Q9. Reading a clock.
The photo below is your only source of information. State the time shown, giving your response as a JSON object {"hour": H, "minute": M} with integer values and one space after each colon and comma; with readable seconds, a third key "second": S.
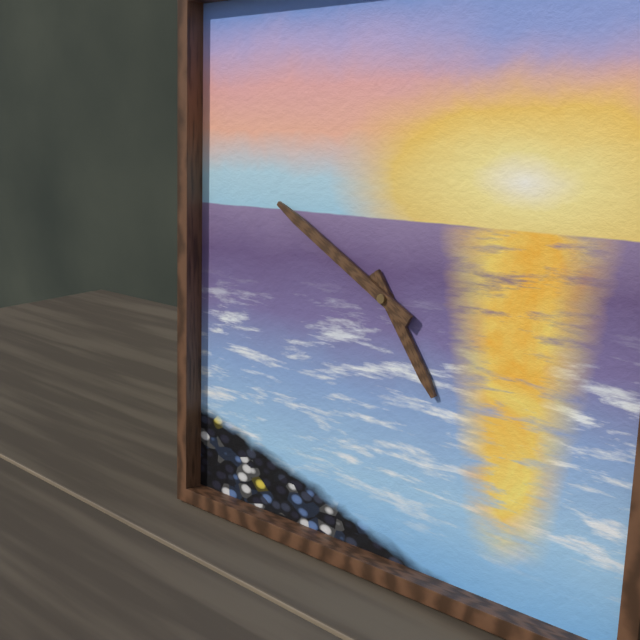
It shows {"hour": 4, "minute": 50}
